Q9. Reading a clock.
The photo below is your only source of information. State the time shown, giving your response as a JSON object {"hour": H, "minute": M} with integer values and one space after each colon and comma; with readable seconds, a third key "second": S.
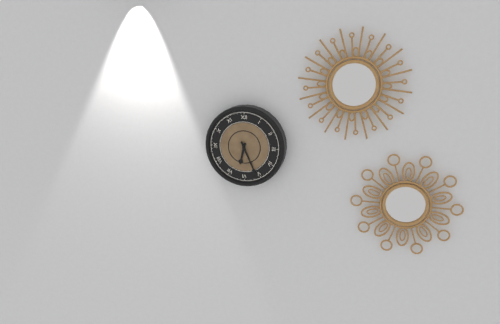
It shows {"hour": 6, "minute": 26}
